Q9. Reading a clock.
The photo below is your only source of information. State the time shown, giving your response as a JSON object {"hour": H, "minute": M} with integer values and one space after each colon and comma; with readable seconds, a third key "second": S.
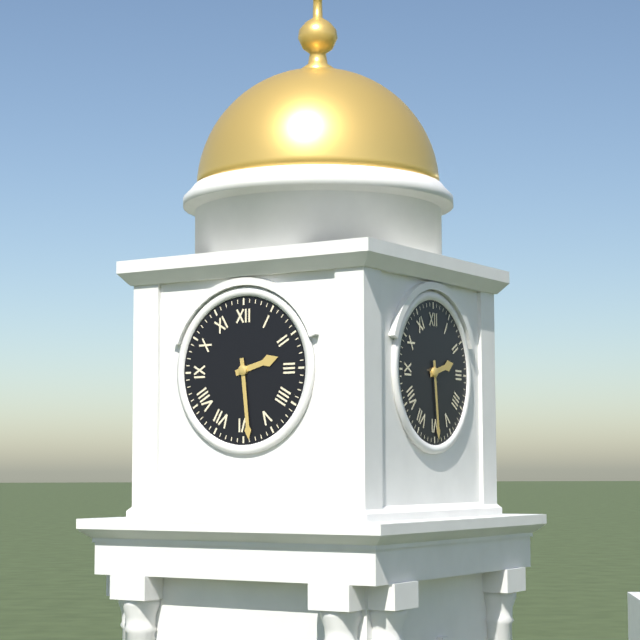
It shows {"hour": 2, "minute": 29}
